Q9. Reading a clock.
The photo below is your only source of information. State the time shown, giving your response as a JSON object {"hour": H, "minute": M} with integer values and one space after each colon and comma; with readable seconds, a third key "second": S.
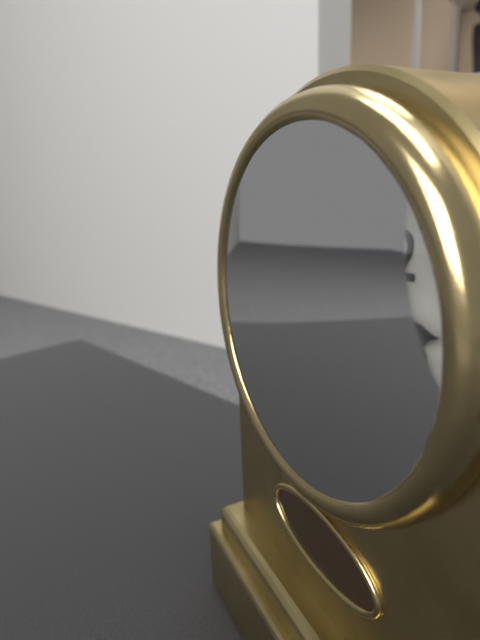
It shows {"hour": 1, "minute": 14}
